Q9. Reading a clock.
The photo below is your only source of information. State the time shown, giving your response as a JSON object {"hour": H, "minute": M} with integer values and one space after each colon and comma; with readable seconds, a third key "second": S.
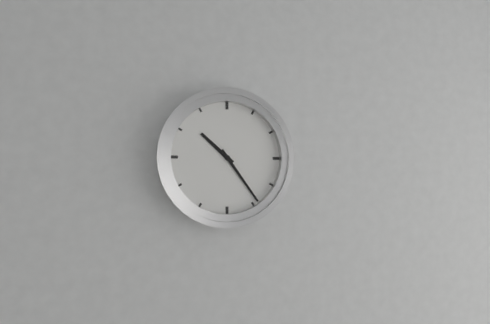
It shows {"hour": 10, "minute": 24}
